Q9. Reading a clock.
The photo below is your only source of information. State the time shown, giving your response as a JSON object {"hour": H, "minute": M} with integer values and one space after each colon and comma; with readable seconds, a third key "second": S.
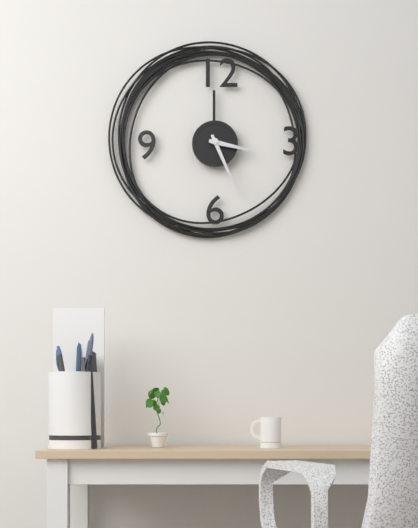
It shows {"hour": 3, "minute": 26}
